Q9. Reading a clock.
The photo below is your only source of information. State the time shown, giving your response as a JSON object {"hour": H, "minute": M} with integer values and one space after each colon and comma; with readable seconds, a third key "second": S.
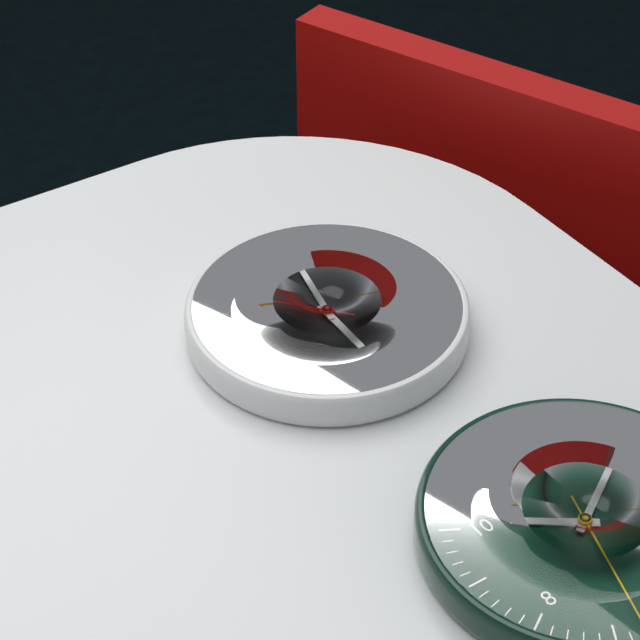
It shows {"hour": 6, "minute": 2, "second": 53}
